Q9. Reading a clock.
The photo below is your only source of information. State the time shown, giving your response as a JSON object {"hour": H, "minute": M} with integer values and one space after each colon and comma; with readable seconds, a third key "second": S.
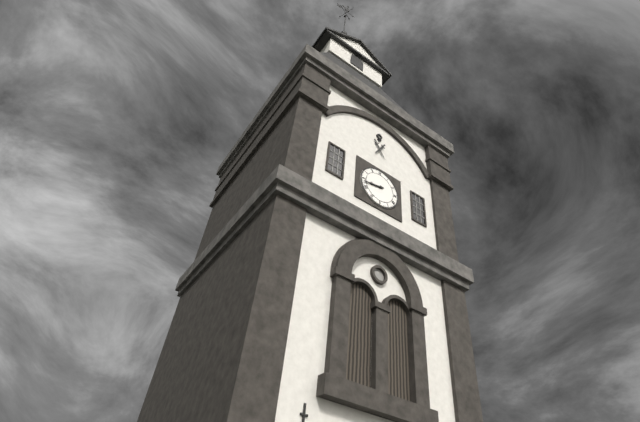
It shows {"hour": 8, "minute": 43}
